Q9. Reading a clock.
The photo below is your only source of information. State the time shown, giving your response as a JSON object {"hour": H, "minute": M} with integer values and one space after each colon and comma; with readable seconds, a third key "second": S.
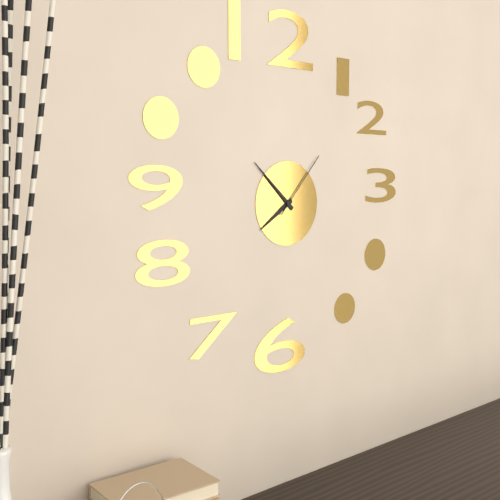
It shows {"hour": 7, "minute": 52, "second": 7}
